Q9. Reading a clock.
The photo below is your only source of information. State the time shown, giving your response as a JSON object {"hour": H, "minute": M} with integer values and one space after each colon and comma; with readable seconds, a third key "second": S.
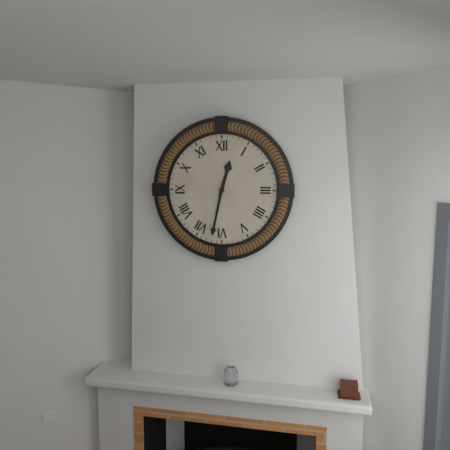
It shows {"hour": 12, "minute": 32}
